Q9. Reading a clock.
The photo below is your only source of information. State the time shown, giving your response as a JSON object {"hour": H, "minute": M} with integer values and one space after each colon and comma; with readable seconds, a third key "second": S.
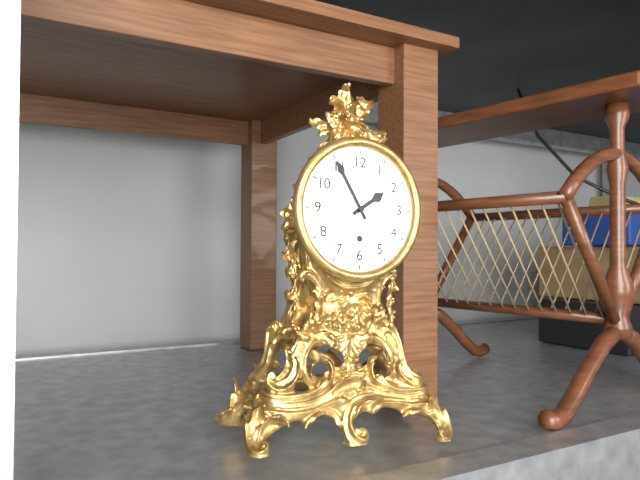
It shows {"hour": 1, "minute": 55}
